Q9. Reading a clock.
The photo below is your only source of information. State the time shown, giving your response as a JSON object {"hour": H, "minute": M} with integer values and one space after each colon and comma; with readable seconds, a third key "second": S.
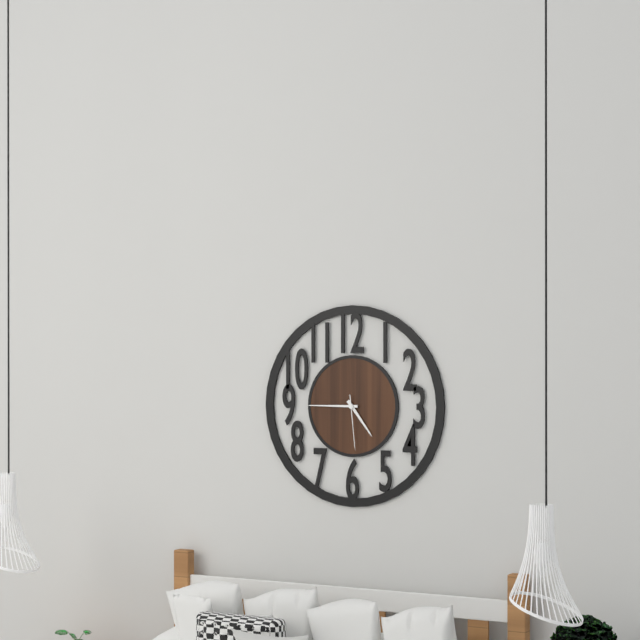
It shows {"hour": 4, "minute": 45, "second": 29}
